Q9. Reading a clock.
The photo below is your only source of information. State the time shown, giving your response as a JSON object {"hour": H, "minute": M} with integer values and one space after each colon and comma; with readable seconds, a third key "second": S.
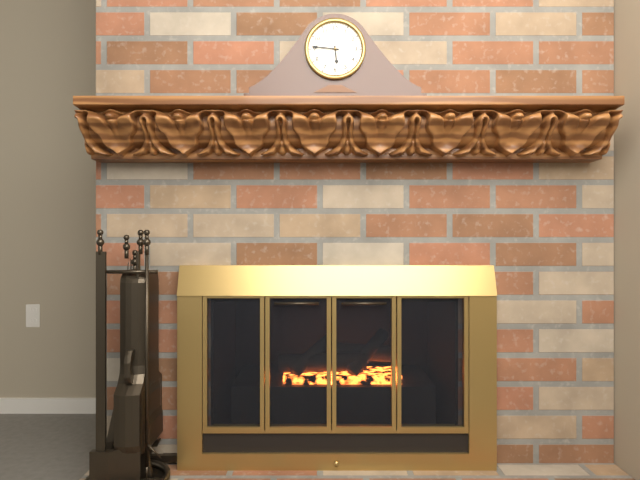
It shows {"hour": 5, "minute": 46}
